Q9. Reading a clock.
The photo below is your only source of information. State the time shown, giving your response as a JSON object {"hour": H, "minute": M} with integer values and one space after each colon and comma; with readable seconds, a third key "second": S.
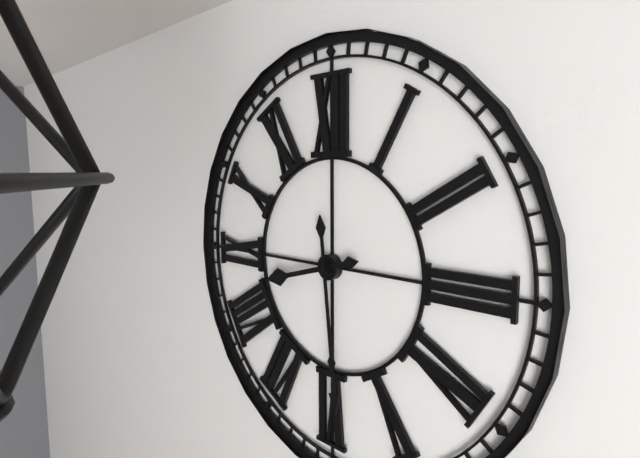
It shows {"hour": 8, "minute": 29}
